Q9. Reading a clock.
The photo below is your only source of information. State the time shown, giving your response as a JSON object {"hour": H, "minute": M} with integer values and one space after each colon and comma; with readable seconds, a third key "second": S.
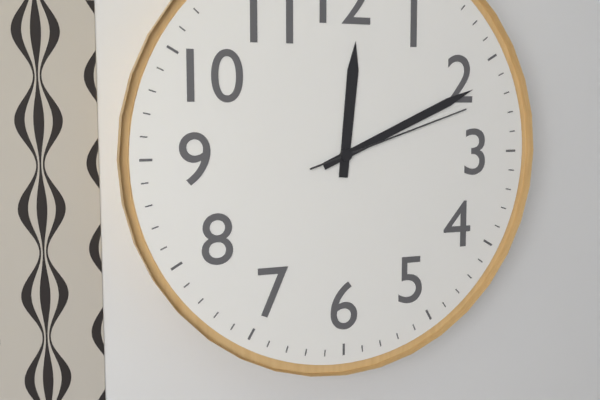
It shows {"hour": 12, "minute": 11, "second": 12}
